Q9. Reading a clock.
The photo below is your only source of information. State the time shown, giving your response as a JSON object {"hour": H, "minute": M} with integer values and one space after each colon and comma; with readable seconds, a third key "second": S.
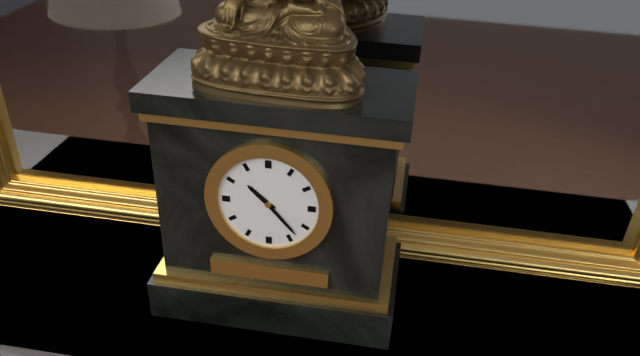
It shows {"hour": 10, "minute": 23}
